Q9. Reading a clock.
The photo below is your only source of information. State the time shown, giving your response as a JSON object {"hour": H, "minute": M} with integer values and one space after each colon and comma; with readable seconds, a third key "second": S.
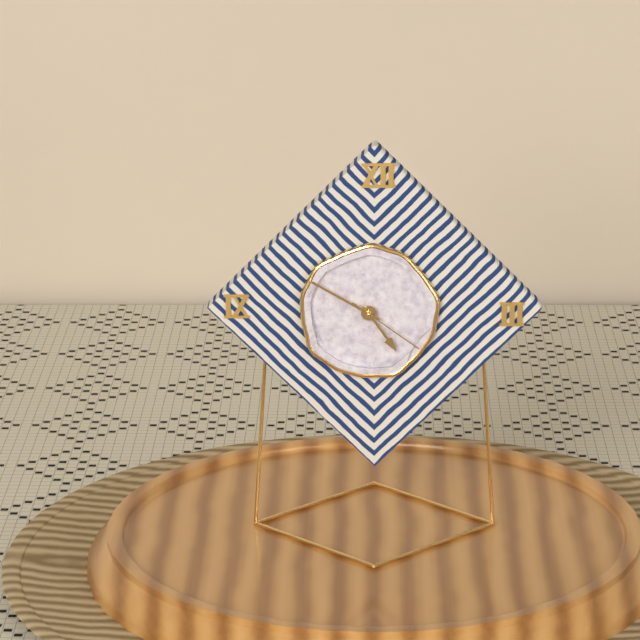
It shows {"hour": 4, "minute": 50, "second": 21}
